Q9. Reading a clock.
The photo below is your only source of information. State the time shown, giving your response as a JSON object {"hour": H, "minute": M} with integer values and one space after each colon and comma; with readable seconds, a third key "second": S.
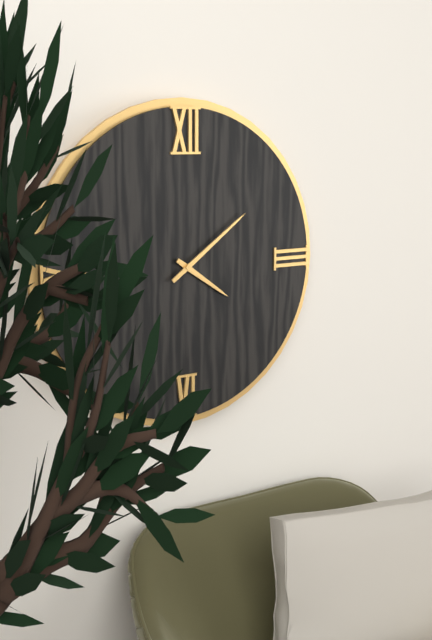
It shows {"hour": 4, "minute": 9}
